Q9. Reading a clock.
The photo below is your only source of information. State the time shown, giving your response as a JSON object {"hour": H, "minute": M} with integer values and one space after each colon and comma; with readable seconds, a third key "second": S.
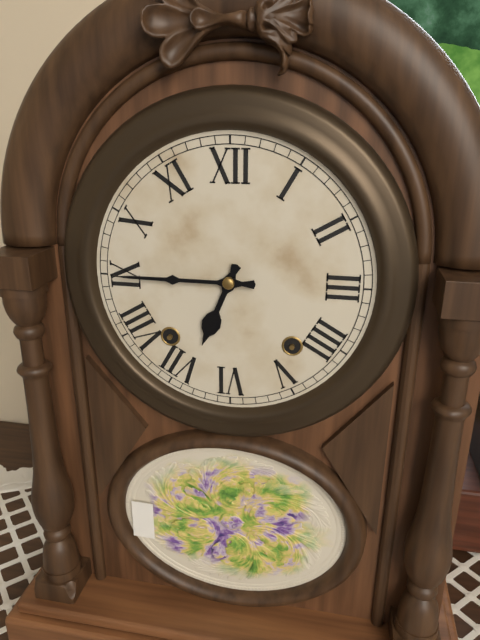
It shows {"hour": 6, "minute": 45}
